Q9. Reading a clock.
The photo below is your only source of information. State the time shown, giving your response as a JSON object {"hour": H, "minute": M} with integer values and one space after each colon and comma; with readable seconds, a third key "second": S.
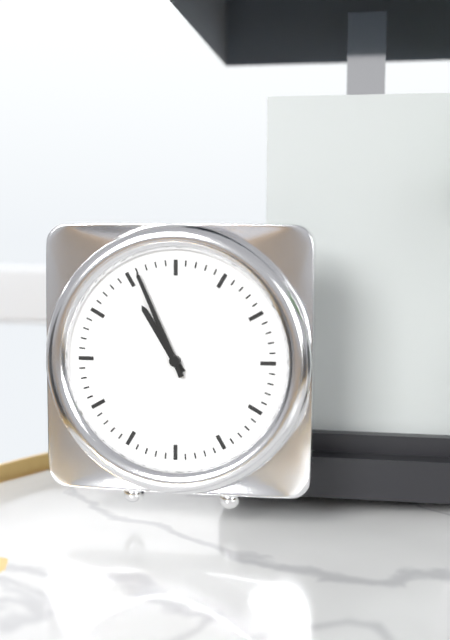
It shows {"hour": 10, "minute": 56}
